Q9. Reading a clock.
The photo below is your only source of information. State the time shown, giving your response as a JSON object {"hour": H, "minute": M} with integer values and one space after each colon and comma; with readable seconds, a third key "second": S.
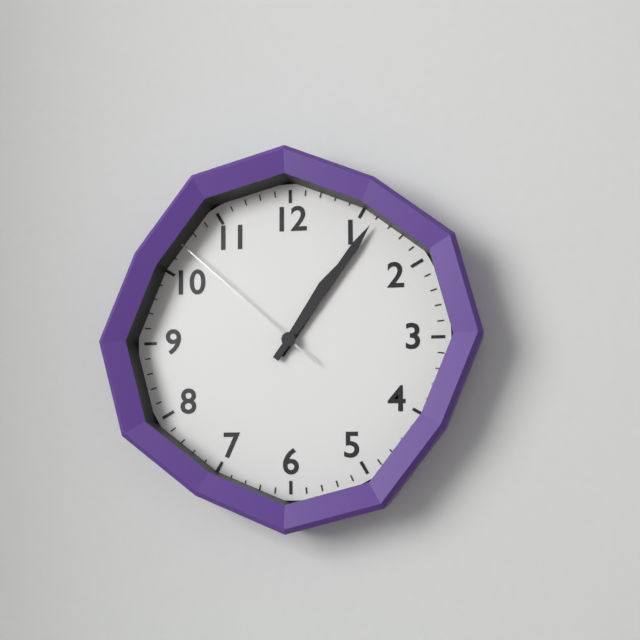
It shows {"hour": 1, "minute": 6, "second": 52}
